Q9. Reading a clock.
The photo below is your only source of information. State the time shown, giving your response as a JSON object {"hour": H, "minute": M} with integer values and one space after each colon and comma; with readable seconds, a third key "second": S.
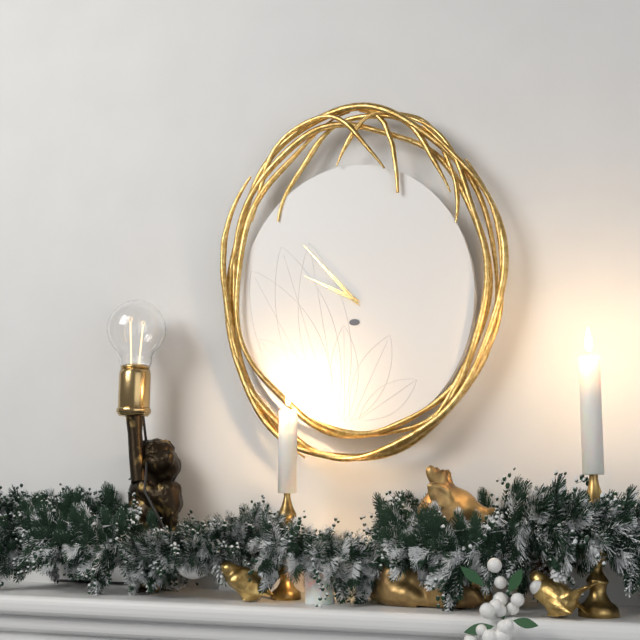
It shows {"hour": 9, "minute": 53}
